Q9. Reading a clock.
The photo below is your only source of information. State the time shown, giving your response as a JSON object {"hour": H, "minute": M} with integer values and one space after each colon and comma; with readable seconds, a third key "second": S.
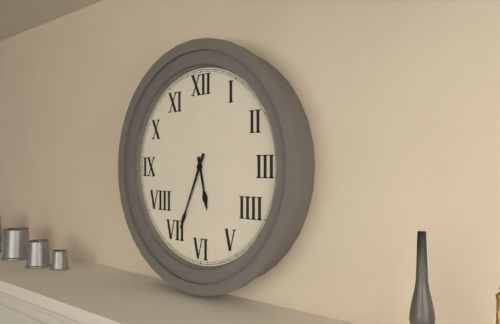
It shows {"hour": 5, "minute": 34}
